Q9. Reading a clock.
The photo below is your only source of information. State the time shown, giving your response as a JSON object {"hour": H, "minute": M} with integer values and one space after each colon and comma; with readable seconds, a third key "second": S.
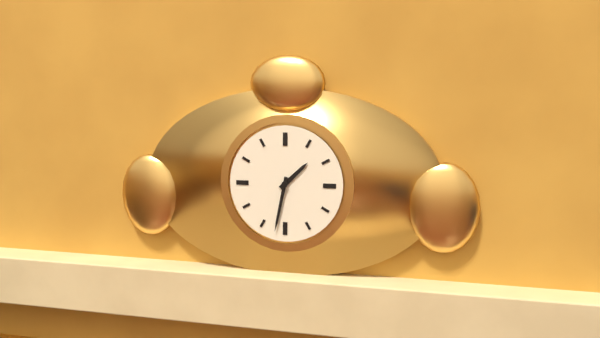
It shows {"hour": 1, "minute": 32}
